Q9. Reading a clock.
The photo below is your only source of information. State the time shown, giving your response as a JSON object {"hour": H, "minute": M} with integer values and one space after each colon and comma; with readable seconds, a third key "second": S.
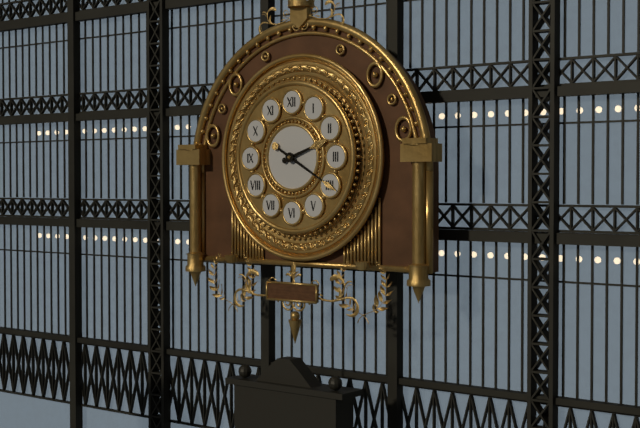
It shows {"hour": 2, "minute": 20}
